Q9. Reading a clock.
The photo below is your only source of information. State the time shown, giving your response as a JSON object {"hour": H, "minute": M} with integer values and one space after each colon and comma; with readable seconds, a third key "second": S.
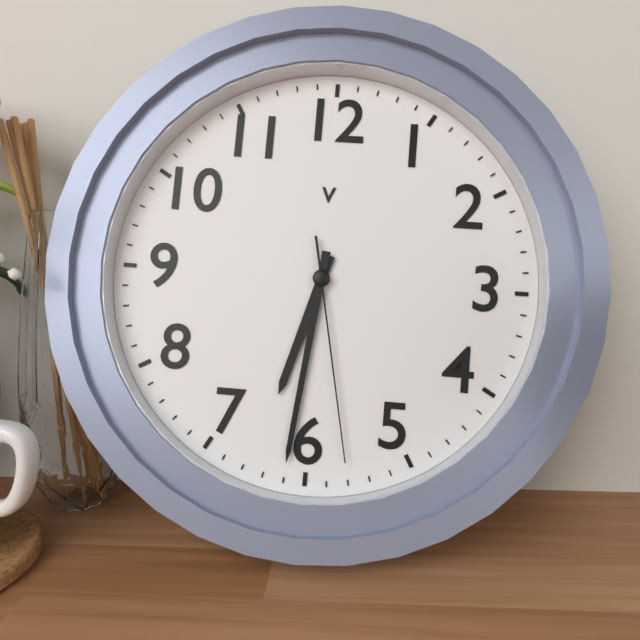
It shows {"hour": 6, "minute": 31, "second": 28}
